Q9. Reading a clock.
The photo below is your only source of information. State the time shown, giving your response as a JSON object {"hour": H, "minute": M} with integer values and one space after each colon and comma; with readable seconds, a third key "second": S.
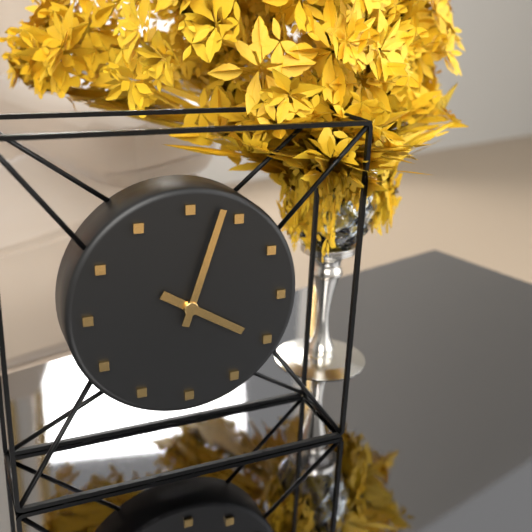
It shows {"hour": 4, "minute": 3}
